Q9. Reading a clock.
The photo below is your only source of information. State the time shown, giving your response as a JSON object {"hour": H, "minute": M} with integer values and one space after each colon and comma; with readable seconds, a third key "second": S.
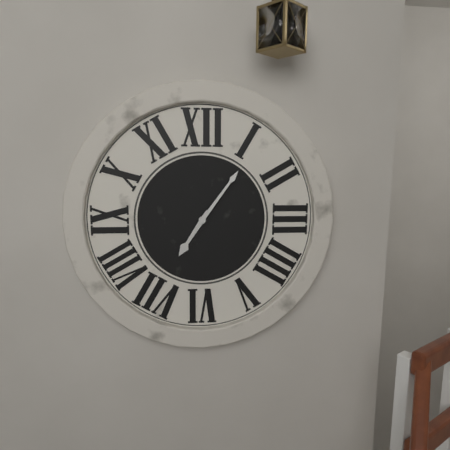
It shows {"hour": 7, "minute": 6}
